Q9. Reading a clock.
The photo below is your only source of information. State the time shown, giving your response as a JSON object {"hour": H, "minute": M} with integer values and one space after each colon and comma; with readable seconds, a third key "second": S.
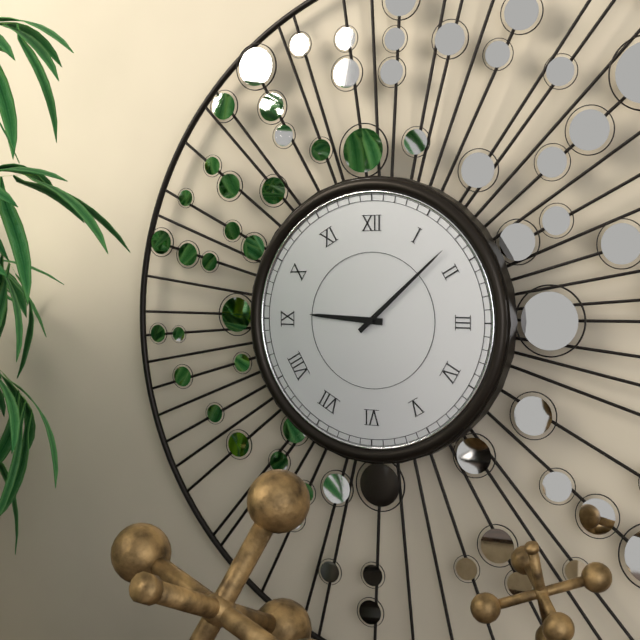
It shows {"hour": 9, "minute": 8}
